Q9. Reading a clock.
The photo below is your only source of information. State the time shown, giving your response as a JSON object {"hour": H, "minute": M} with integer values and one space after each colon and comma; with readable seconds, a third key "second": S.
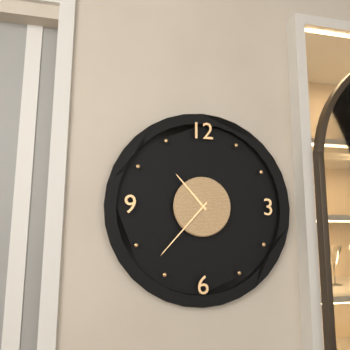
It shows {"hour": 10, "minute": 37}
